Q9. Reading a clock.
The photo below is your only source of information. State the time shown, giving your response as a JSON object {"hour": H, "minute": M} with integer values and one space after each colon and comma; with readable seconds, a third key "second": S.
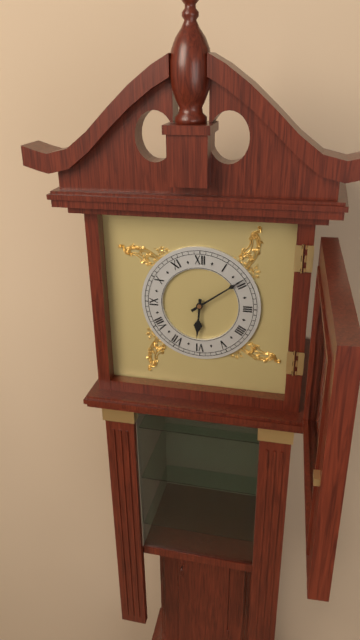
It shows {"hour": 6, "minute": 9}
